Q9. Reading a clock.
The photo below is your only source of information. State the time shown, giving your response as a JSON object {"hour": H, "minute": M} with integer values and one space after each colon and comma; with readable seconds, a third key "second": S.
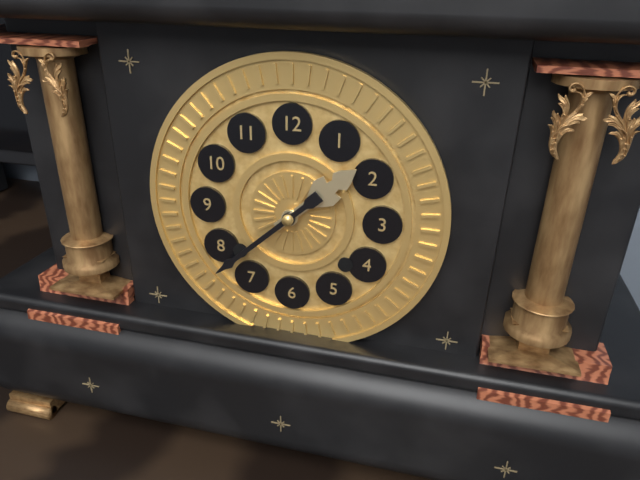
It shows {"hour": 1, "minute": 38}
